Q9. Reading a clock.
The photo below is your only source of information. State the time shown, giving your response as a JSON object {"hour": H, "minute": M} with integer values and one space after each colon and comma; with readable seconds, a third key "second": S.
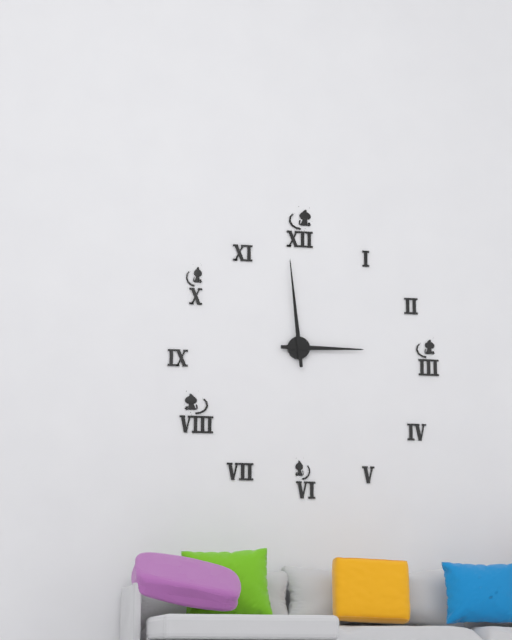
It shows {"hour": 2, "minute": 59}
